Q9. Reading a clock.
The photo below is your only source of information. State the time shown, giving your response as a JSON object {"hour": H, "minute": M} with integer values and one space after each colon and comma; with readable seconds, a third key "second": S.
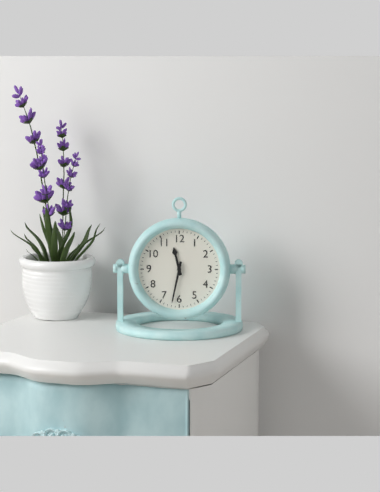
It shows {"hour": 11, "minute": 32}
